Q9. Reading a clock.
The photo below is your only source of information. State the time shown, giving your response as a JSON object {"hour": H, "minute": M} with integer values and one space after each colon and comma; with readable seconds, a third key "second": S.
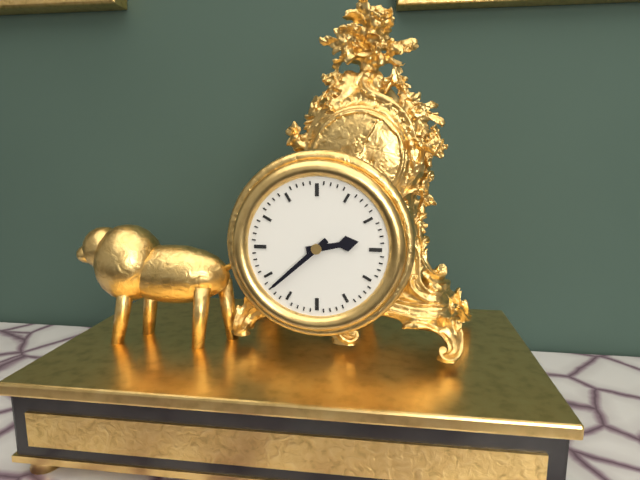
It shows {"hour": 2, "minute": 38}
